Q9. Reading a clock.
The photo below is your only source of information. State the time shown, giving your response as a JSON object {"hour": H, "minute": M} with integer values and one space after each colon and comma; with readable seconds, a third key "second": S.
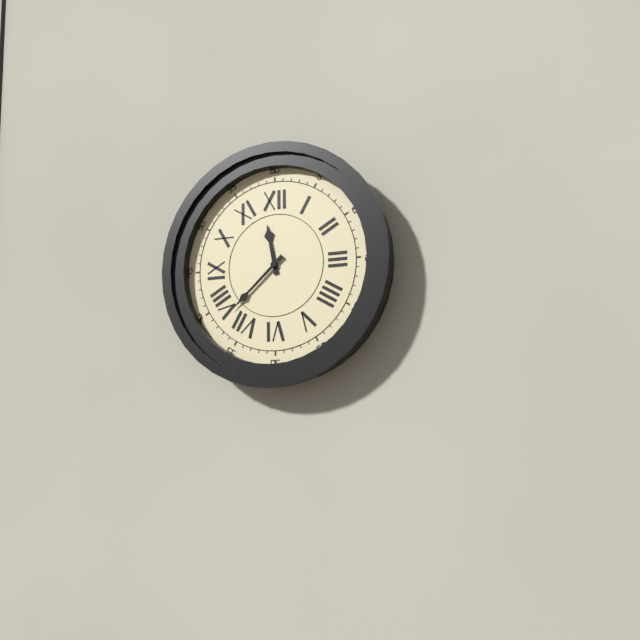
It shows {"hour": 11, "minute": 38}
